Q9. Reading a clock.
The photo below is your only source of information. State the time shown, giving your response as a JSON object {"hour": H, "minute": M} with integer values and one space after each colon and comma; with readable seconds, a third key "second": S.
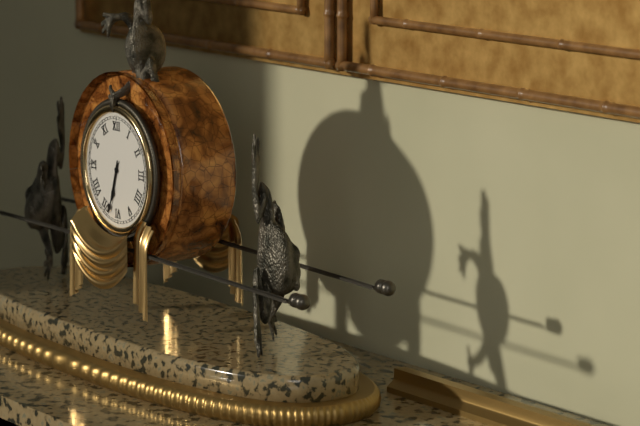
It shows {"hour": 6, "minute": 33}
